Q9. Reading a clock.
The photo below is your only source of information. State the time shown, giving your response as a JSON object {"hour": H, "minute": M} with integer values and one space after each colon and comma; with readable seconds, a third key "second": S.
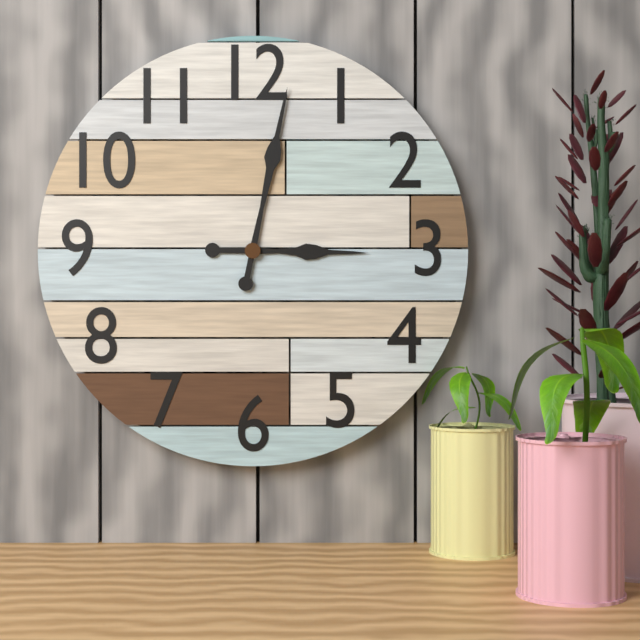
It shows {"hour": 3, "minute": 2}
